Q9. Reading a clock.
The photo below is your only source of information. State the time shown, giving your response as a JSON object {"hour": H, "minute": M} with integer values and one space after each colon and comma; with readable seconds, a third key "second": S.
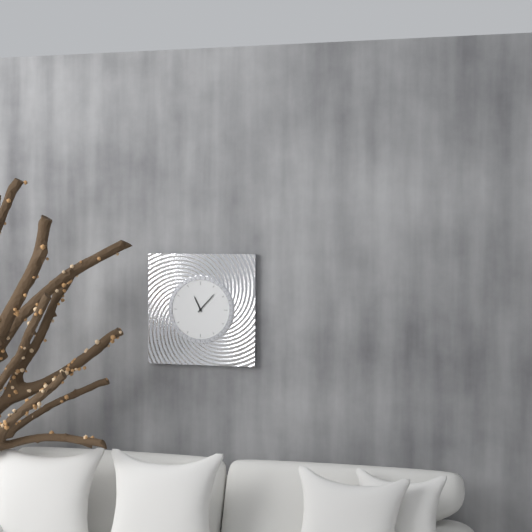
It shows {"hour": 11, "minute": 7}
